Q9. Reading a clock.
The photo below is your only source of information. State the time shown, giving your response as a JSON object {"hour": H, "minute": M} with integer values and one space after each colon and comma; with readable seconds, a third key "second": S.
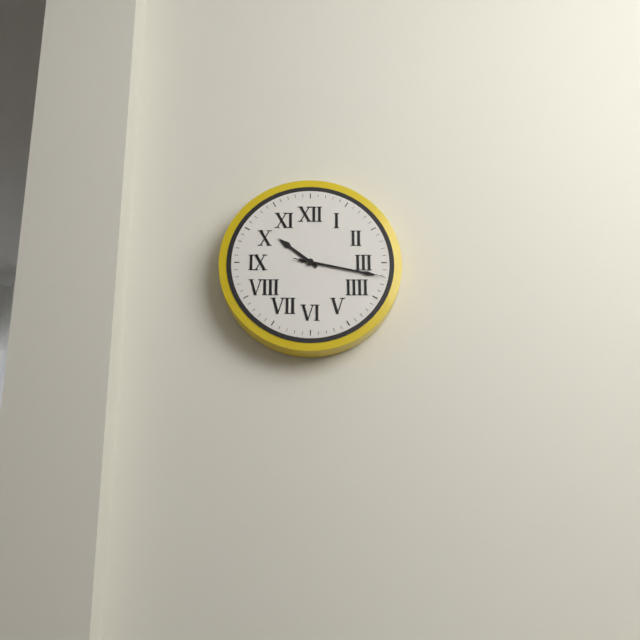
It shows {"hour": 10, "minute": 17, "second": 17}
